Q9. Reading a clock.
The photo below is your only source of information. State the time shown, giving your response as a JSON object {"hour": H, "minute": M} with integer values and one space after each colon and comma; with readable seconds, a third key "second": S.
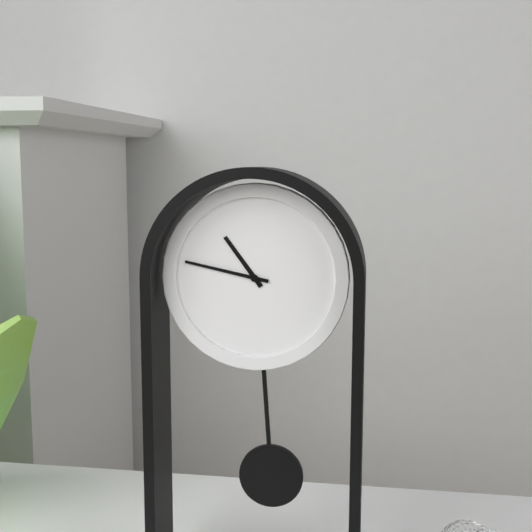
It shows {"hour": 10, "minute": 47}
